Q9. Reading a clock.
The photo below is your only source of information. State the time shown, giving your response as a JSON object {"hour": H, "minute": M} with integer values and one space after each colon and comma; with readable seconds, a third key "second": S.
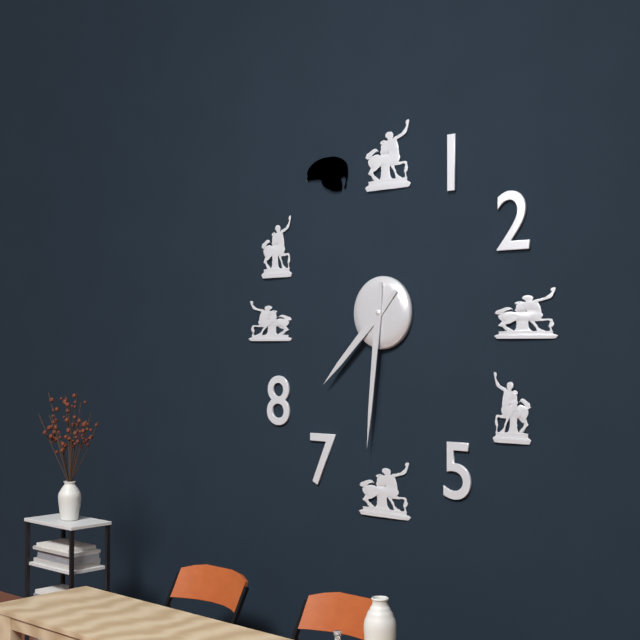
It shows {"hour": 7, "minute": 31}
